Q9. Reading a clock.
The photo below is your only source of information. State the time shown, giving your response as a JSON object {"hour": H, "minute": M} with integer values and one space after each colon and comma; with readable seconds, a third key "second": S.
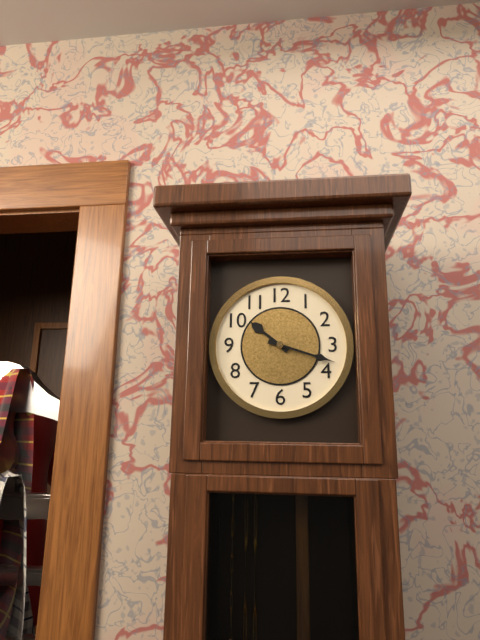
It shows {"hour": 10, "minute": 18}
